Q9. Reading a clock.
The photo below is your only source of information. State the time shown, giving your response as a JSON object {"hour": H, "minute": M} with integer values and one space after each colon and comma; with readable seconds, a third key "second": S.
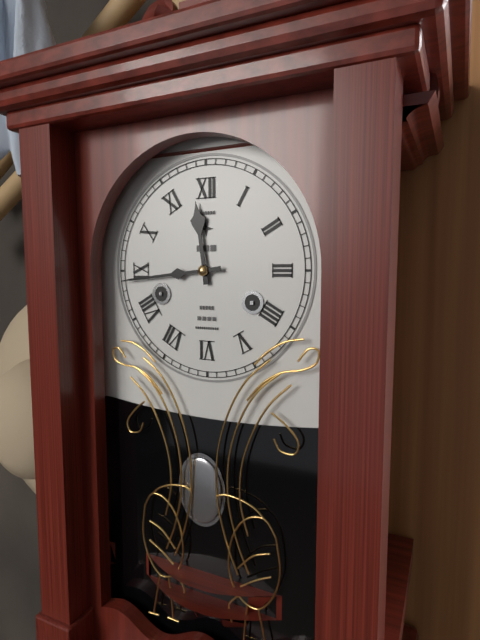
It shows {"hour": 11, "minute": 44}
